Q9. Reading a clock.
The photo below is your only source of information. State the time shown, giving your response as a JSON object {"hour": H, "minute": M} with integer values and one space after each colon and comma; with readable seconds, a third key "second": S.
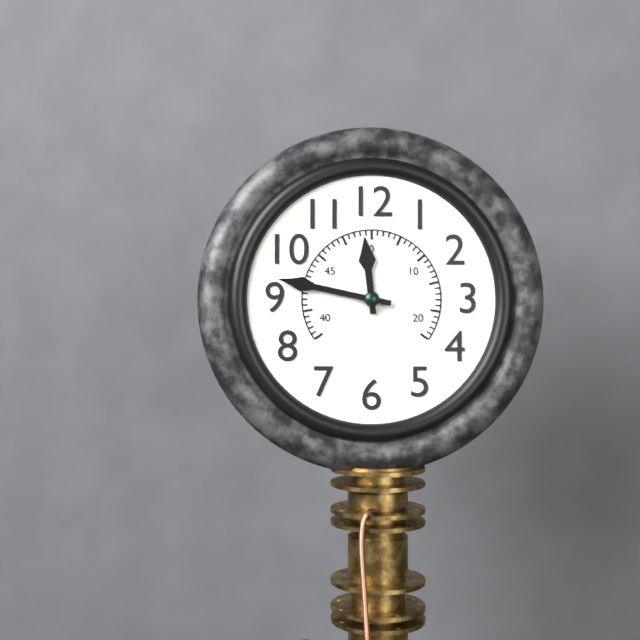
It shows {"hour": 11, "minute": 47}
